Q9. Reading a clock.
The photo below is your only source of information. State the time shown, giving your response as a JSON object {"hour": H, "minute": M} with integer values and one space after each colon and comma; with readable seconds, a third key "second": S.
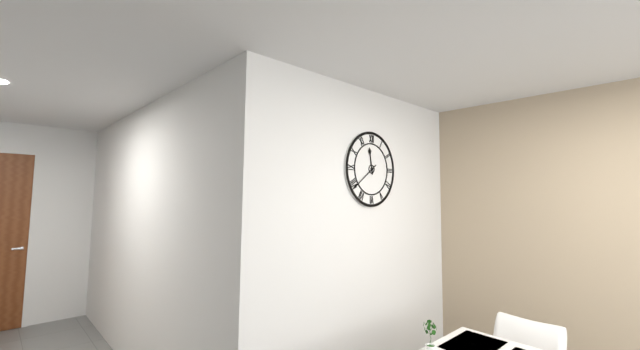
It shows {"hour": 11, "minute": 39}
